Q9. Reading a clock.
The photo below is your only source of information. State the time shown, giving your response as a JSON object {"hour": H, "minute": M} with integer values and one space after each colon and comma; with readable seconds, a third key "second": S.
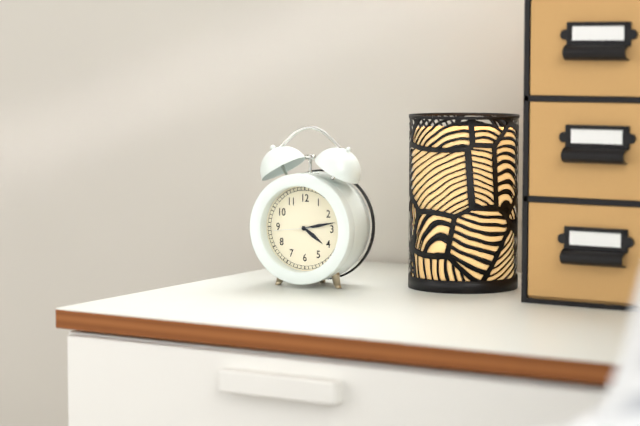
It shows {"hour": 4, "minute": 13}
